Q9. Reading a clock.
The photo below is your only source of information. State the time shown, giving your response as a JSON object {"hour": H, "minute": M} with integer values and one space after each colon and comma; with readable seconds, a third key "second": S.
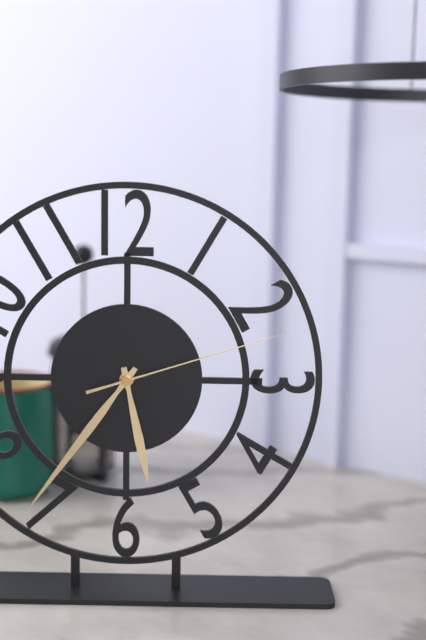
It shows {"hour": 5, "minute": 36, "second": 12}
